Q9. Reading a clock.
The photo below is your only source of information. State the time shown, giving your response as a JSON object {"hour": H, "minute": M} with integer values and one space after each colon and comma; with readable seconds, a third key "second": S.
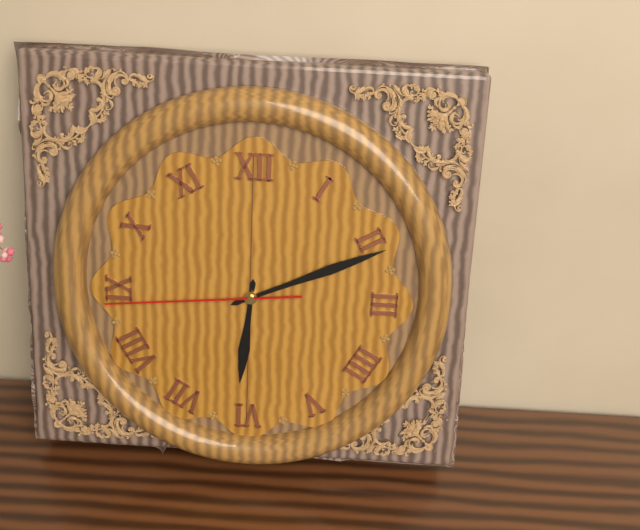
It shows {"hour": 6, "minute": 11, "second": 44}
